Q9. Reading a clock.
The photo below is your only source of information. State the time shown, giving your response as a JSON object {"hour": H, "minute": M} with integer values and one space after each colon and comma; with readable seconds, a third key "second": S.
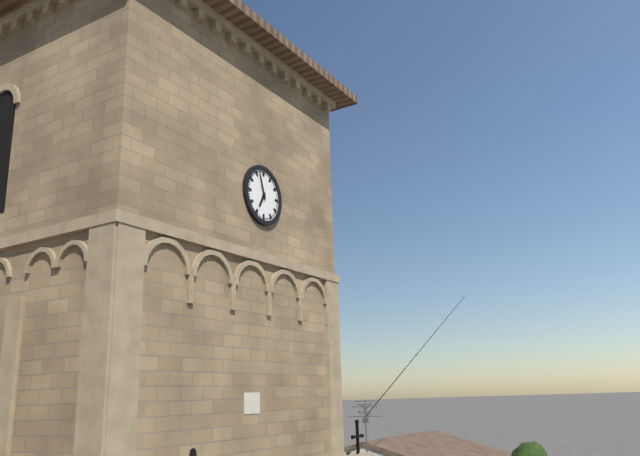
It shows {"hour": 6, "minute": 57}
